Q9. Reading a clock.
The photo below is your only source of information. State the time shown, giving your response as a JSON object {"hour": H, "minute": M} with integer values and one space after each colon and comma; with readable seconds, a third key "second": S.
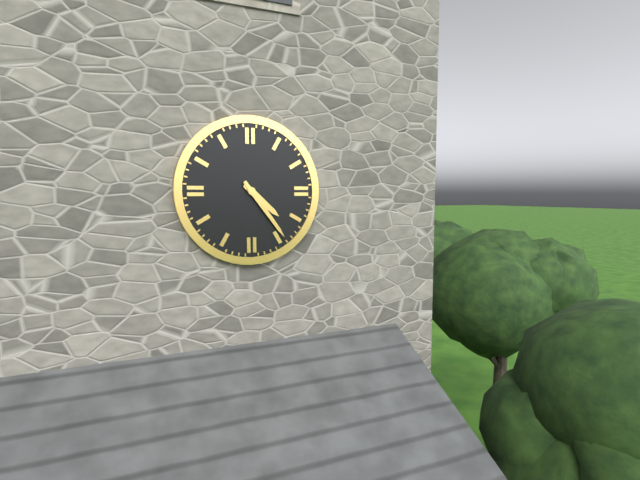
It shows {"hour": 4, "minute": 24}
